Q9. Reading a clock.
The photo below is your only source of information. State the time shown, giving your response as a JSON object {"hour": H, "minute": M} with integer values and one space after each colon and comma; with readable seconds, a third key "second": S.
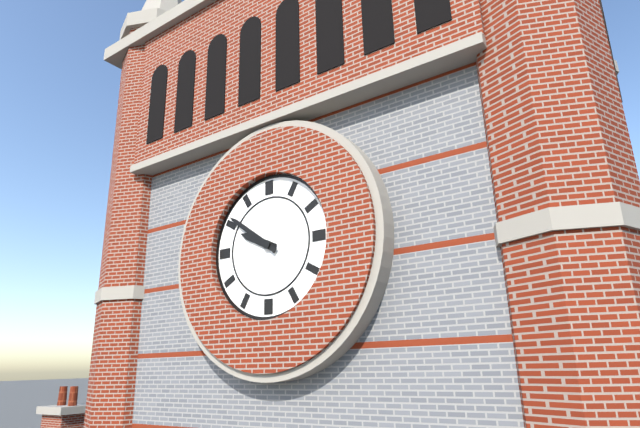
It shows {"hour": 9, "minute": 51}
